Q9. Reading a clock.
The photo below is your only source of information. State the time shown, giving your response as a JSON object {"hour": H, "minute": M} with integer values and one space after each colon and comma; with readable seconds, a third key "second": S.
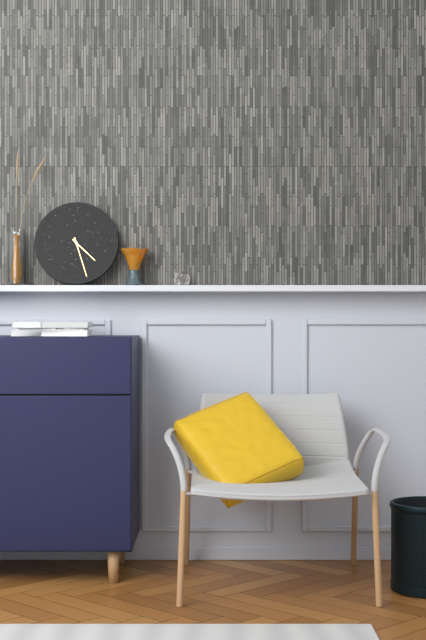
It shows {"hour": 4, "minute": 27}
